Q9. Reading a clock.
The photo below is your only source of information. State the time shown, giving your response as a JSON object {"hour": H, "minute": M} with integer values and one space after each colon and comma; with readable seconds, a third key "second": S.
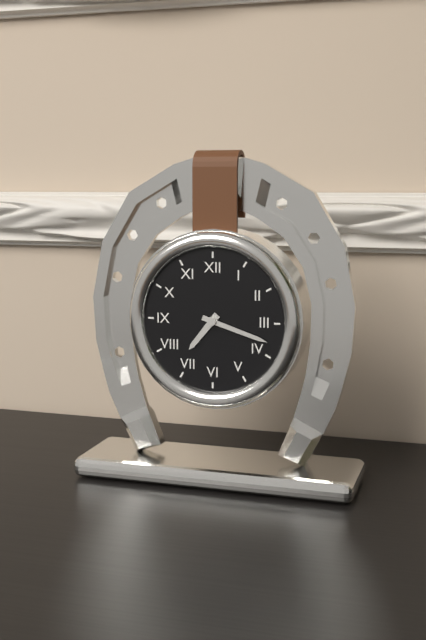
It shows {"hour": 7, "minute": 18}
